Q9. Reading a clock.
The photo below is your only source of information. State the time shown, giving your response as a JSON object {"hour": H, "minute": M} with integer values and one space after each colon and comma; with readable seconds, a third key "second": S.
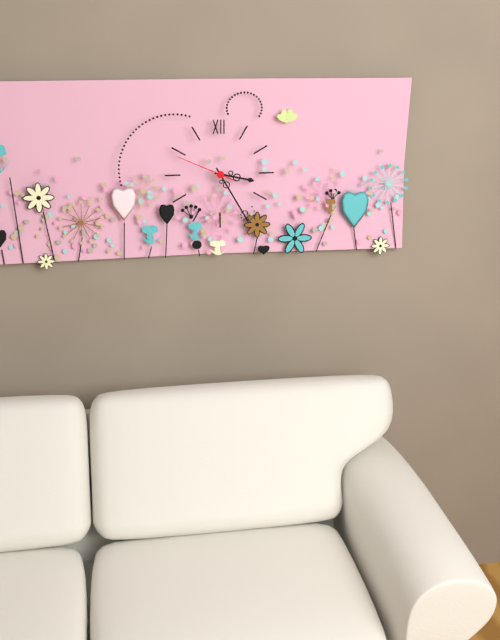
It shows {"hour": 3, "minute": 25, "second": 49}
